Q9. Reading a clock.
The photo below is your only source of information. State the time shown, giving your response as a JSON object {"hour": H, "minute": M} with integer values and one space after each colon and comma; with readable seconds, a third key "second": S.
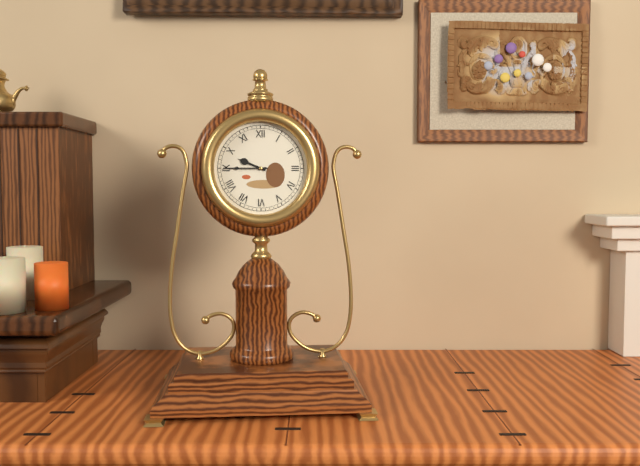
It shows {"hour": 9, "minute": 45}
